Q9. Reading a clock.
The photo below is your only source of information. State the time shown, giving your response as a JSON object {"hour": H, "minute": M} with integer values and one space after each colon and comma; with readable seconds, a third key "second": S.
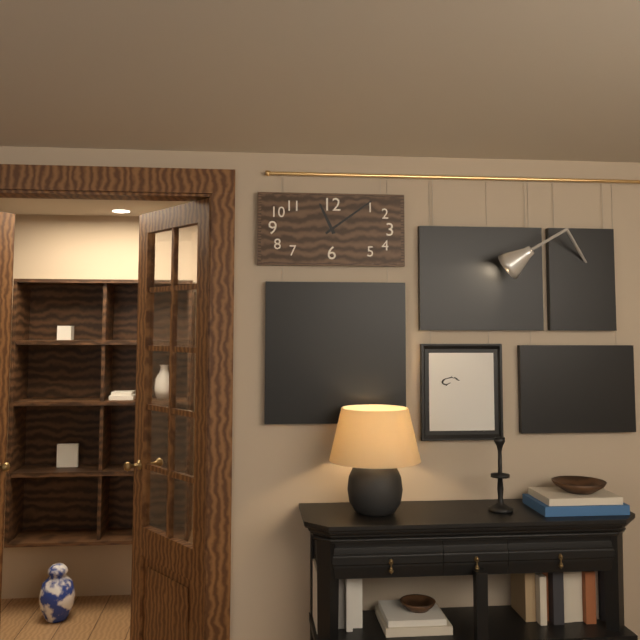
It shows {"hour": 11, "minute": 9}
